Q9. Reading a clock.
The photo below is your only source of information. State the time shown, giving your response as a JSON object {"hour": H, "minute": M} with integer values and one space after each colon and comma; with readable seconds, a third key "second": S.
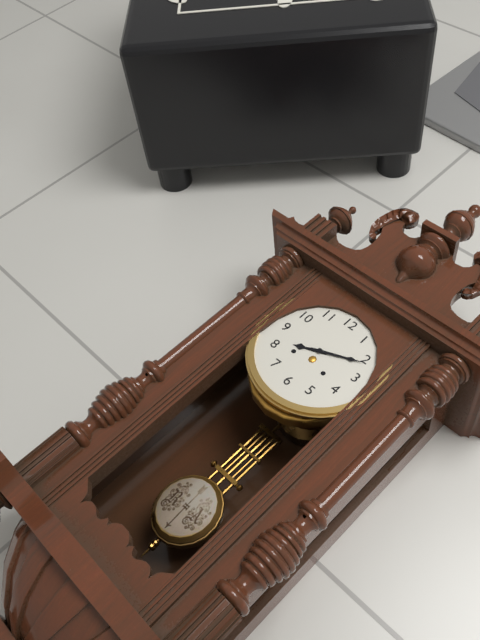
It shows {"hour": 8, "minute": 11}
